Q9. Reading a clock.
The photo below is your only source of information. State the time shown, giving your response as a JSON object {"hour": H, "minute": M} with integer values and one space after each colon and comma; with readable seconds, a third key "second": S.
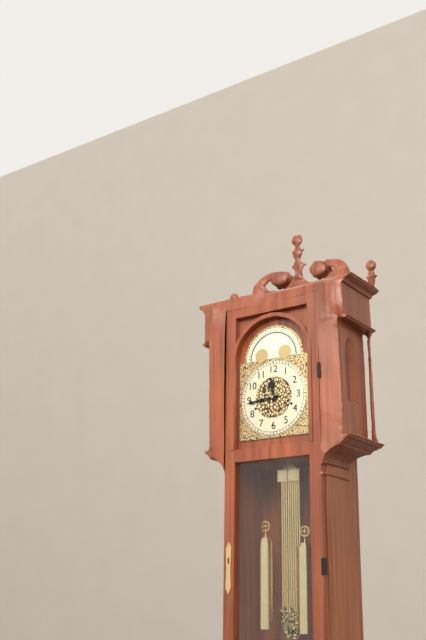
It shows {"hour": 11, "minute": 44}
